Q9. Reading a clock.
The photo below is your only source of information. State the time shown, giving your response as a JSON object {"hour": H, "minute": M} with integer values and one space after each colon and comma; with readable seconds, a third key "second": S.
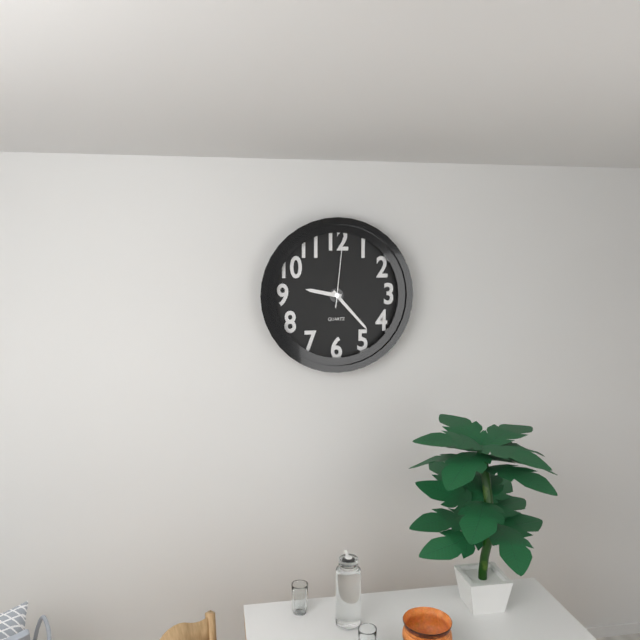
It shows {"hour": 9, "minute": 23, "second": 1}
